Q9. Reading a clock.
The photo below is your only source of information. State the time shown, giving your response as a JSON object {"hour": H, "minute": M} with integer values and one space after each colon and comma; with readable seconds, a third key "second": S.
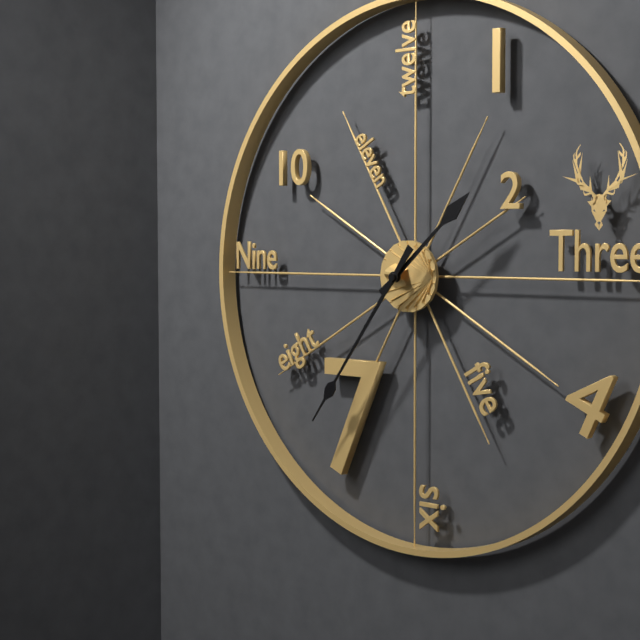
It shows {"hour": 1, "minute": 36}
